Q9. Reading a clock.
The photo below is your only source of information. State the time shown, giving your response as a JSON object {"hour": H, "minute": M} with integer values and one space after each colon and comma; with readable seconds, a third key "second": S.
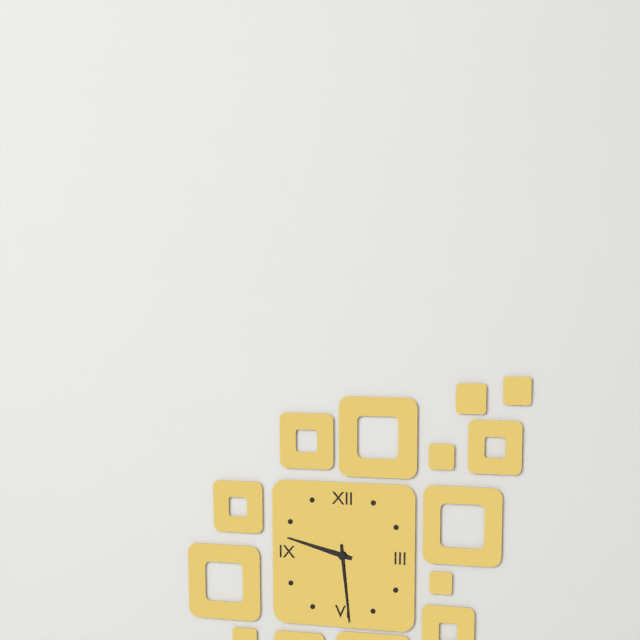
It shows {"hour": 9, "minute": 29}
